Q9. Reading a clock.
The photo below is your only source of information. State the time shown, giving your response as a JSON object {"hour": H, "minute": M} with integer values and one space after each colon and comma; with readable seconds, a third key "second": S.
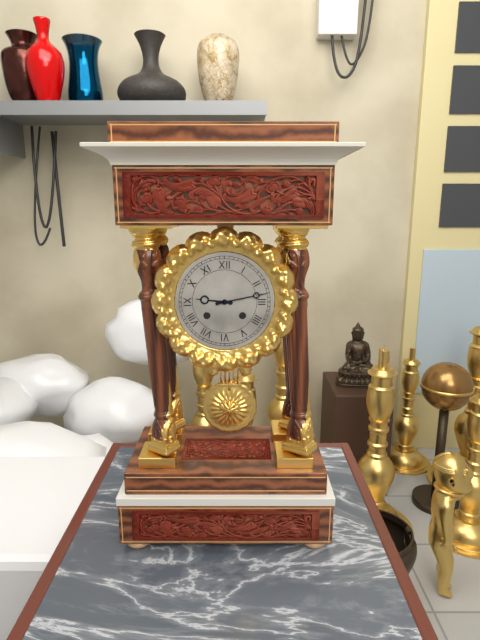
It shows {"hour": 9, "minute": 13}
